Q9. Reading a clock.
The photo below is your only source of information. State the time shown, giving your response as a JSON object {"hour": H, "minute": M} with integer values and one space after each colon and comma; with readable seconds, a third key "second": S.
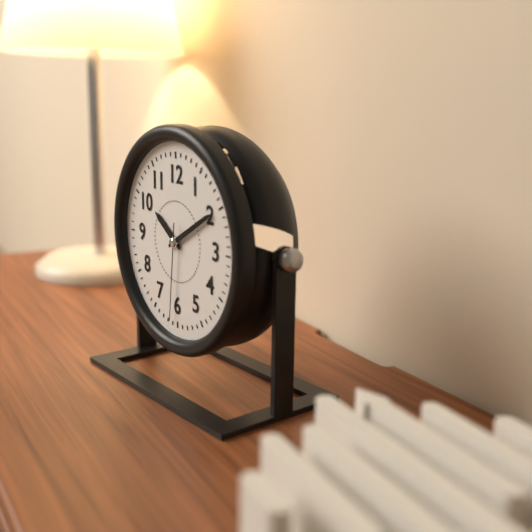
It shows {"hour": 10, "minute": 10, "second": 31}
